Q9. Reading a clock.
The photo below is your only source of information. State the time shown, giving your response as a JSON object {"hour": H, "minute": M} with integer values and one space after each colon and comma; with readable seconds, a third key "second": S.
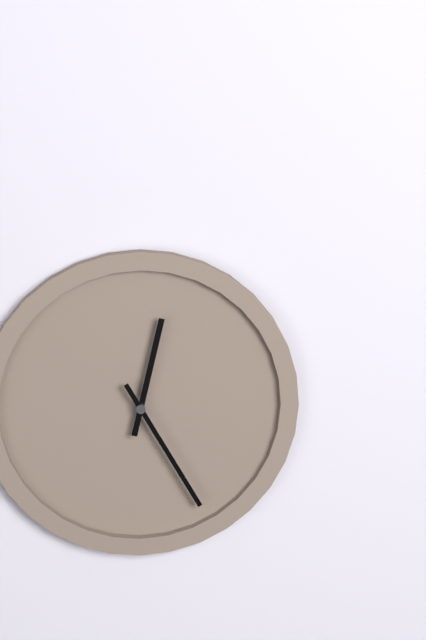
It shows {"hour": 12, "minute": 25}
